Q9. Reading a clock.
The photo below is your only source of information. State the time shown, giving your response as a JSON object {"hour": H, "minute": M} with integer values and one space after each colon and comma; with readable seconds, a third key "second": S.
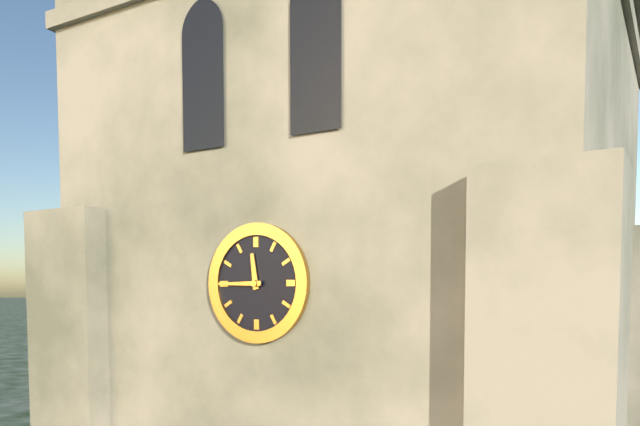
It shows {"hour": 11, "minute": 45}
